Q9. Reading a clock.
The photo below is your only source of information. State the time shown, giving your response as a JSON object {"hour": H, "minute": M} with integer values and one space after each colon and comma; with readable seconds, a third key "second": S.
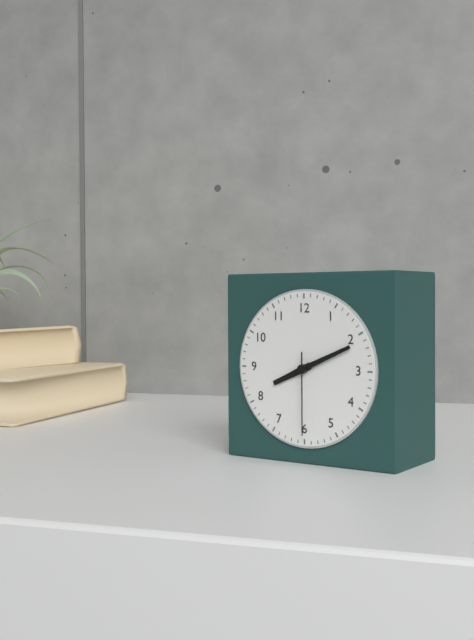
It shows {"hour": 8, "minute": 11, "second": 30}
